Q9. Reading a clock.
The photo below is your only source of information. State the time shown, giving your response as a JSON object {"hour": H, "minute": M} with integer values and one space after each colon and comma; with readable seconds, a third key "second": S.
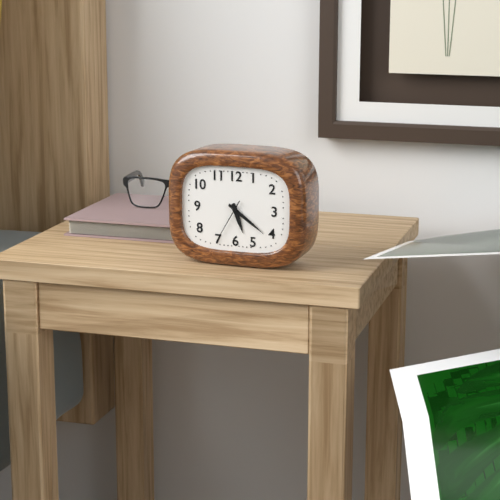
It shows {"hour": 5, "minute": 21}
